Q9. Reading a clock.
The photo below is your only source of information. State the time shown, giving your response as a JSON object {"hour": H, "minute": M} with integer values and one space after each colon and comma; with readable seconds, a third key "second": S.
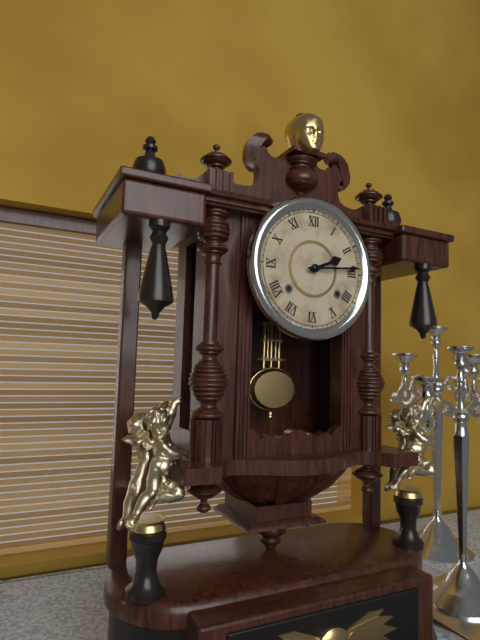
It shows {"hour": 2, "minute": 14}
